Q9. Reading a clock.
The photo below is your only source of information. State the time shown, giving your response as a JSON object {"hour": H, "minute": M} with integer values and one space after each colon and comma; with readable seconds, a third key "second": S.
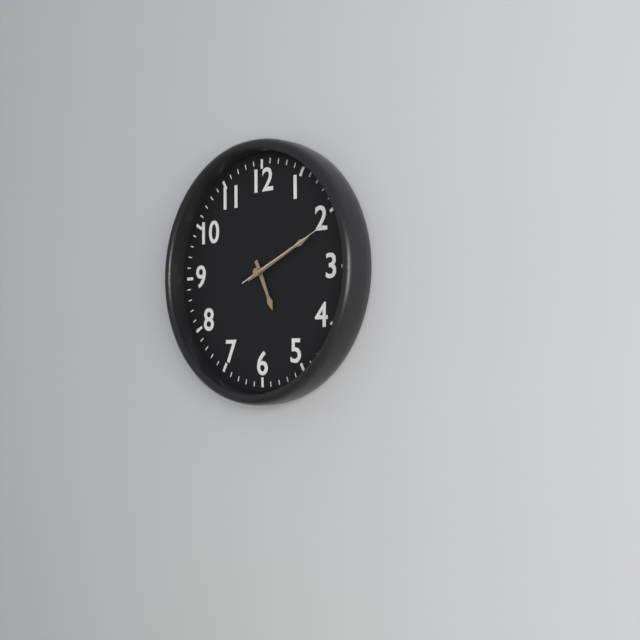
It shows {"hour": 5, "minute": 11, "second": 11}
